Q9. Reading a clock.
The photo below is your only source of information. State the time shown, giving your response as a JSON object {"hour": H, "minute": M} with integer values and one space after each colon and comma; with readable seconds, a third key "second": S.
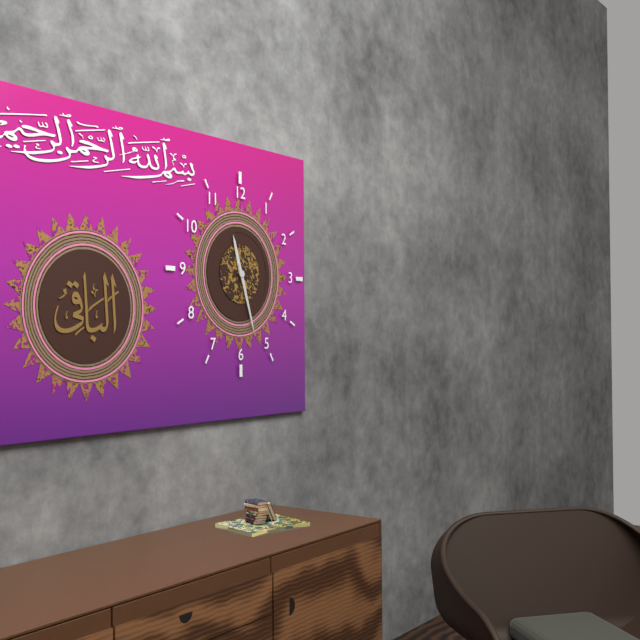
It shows {"hour": 11, "minute": 27}
